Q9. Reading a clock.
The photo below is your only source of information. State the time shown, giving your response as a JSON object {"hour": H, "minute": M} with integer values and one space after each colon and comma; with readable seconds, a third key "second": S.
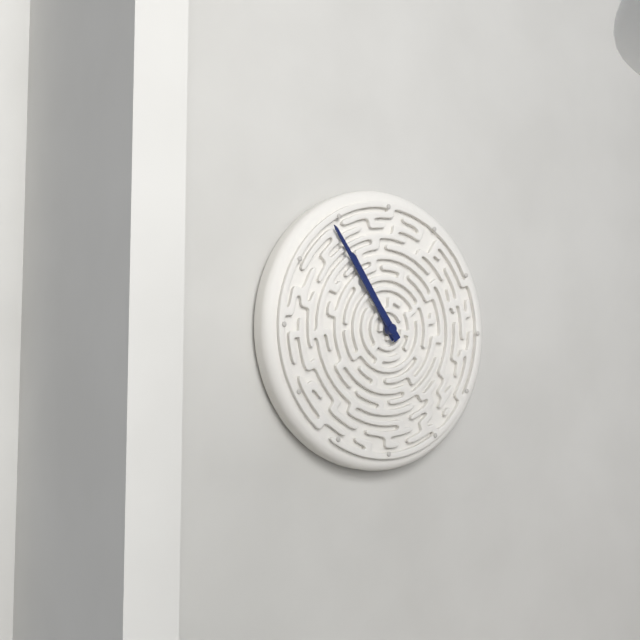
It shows {"hour": 10, "minute": 54}
